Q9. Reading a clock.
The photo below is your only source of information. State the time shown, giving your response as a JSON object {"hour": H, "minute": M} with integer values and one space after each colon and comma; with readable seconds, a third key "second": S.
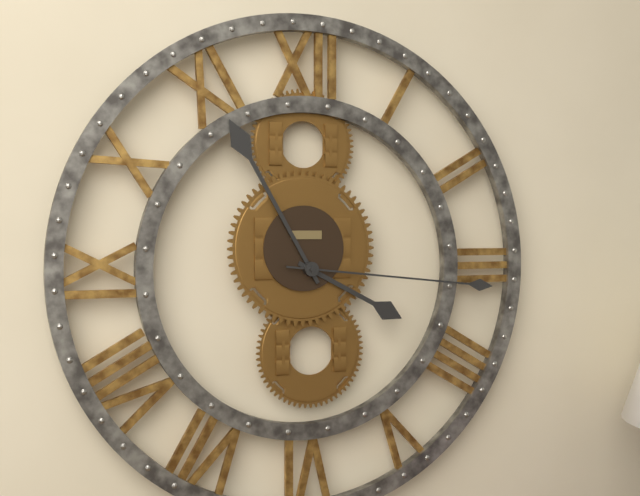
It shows {"hour": 3, "minute": 55, "second": 16}
